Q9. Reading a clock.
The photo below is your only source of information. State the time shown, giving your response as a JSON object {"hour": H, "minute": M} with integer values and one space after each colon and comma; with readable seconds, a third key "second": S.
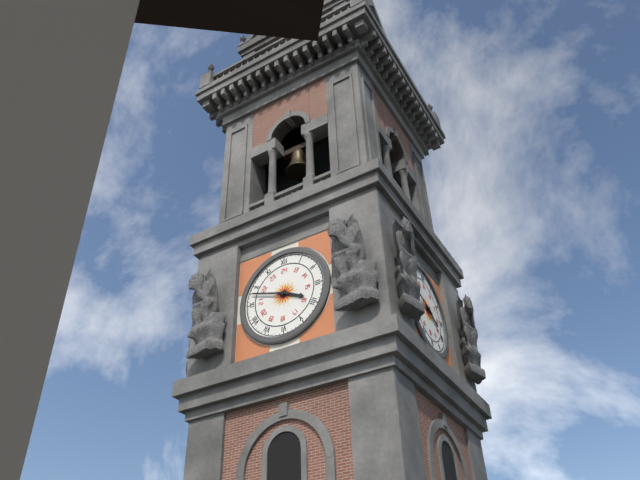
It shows {"hour": 3, "minute": 48}
